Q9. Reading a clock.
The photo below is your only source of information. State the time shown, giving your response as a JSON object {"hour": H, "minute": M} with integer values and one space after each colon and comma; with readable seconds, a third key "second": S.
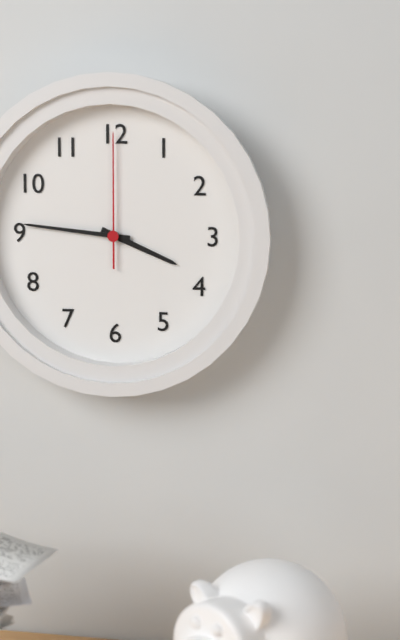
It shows {"hour": 3, "minute": 46, "second": 0}
